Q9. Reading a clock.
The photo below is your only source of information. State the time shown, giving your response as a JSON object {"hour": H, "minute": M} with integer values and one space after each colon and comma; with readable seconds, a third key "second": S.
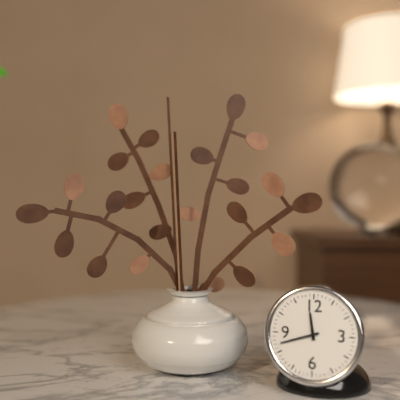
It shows {"hour": 11, "minute": 42}
